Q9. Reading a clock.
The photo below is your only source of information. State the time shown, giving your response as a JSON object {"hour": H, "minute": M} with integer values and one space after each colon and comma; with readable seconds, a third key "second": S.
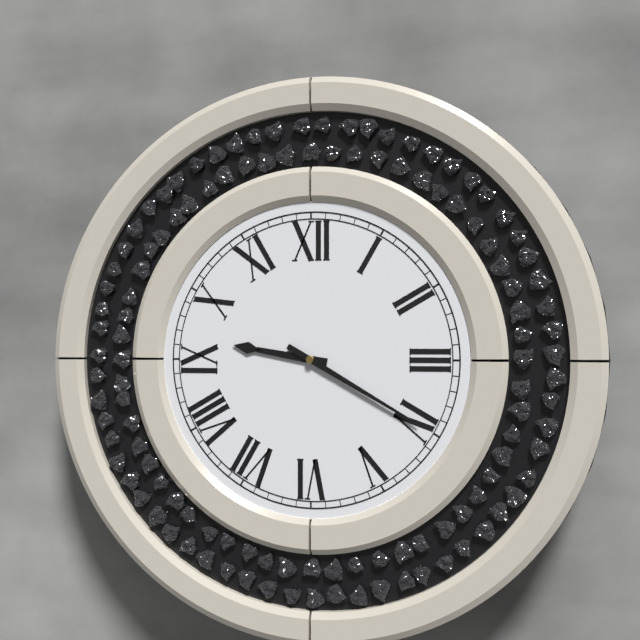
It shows {"hour": 9, "minute": 20}
